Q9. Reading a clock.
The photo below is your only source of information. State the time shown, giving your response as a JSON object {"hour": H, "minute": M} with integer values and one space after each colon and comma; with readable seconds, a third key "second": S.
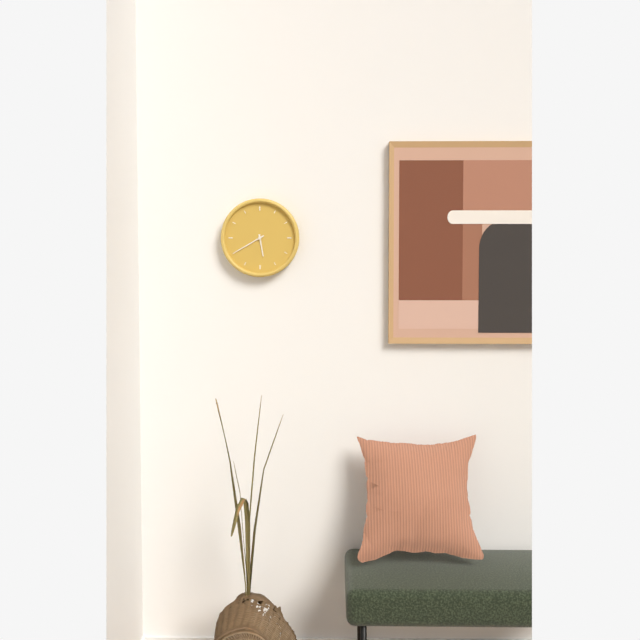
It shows {"hour": 5, "minute": 40}
